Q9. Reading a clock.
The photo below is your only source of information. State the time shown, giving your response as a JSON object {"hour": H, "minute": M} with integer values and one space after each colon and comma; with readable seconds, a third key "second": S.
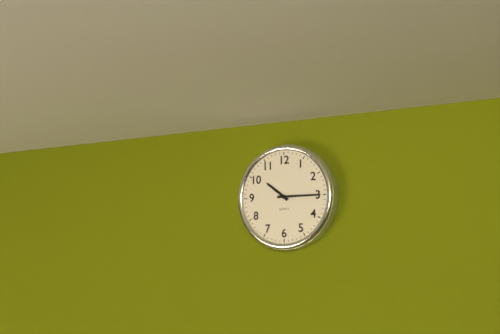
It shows {"hour": 10, "minute": 15}
